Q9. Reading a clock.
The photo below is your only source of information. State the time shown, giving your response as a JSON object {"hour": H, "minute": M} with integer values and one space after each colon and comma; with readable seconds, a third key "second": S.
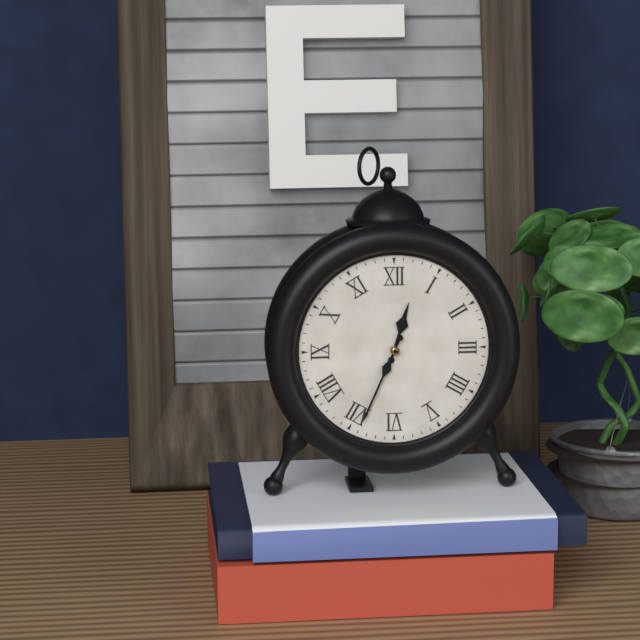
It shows {"hour": 12, "minute": 34}
